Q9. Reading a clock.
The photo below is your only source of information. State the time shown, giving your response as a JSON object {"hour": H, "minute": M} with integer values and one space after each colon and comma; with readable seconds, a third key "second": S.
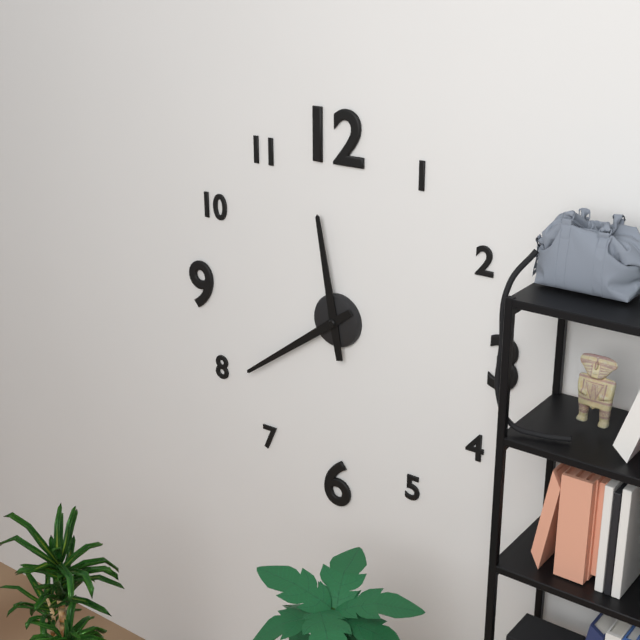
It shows {"hour": 11, "minute": 39}
